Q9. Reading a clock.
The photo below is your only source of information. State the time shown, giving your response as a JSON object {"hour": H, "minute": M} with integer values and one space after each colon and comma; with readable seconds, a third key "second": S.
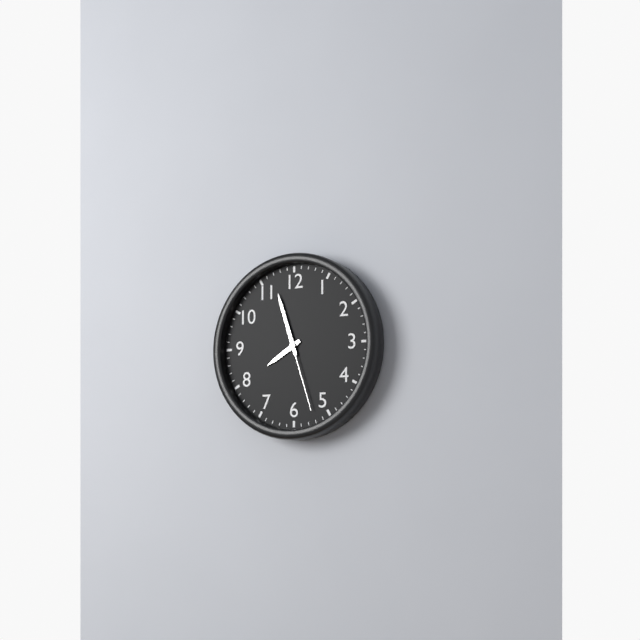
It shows {"hour": 7, "minute": 57, "second": 27}
